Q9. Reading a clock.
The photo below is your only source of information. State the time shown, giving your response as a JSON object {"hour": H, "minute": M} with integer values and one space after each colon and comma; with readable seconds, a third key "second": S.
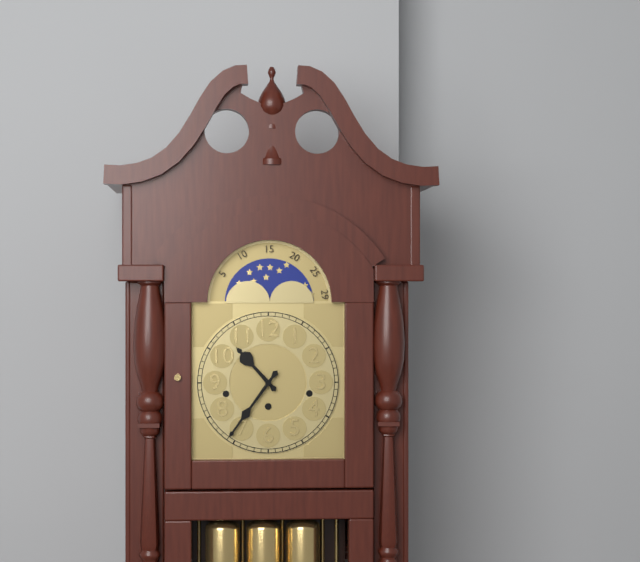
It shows {"hour": 10, "minute": 36}
